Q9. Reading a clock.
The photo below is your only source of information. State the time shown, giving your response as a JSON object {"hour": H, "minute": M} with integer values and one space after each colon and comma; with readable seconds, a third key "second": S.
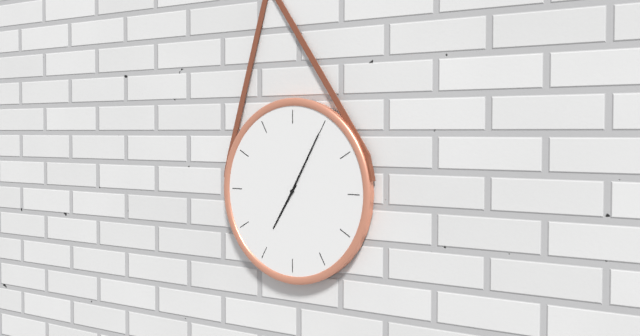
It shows {"hour": 7, "minute": 5}
